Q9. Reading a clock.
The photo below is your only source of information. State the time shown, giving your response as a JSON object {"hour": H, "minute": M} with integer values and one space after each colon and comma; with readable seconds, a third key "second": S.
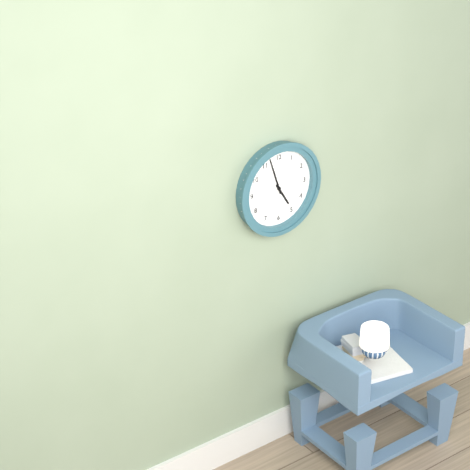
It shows {"hour": 4, "minute": 57}
